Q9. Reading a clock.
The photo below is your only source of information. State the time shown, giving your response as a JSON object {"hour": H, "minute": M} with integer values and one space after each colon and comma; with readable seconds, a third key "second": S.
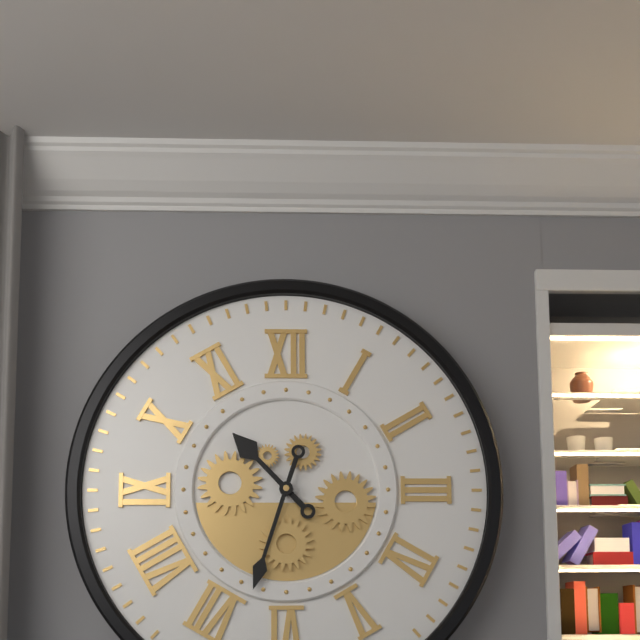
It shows {"hour": 10, "minute": 33}
